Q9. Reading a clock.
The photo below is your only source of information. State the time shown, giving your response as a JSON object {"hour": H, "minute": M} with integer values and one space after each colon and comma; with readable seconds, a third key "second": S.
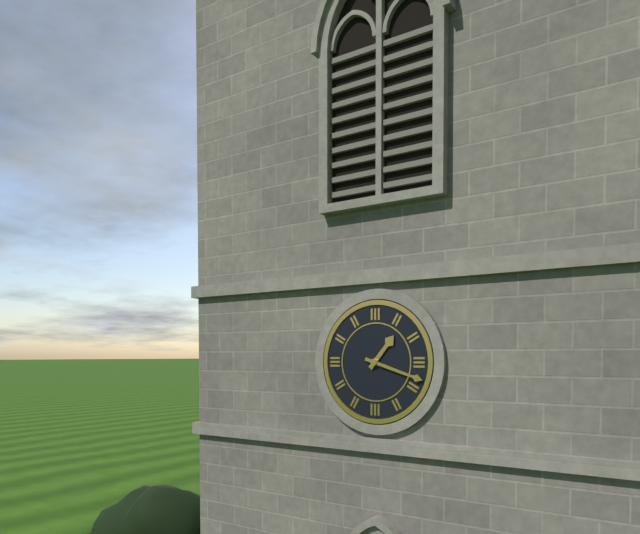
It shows {"hour": 1, "minute": 18}
